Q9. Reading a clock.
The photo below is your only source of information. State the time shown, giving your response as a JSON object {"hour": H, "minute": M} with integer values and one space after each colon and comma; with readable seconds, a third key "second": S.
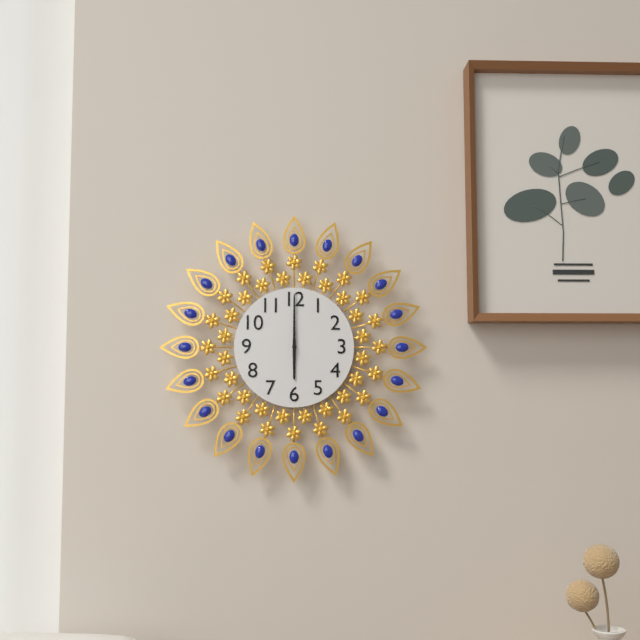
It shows {"hour": 6, "minute": 0}
